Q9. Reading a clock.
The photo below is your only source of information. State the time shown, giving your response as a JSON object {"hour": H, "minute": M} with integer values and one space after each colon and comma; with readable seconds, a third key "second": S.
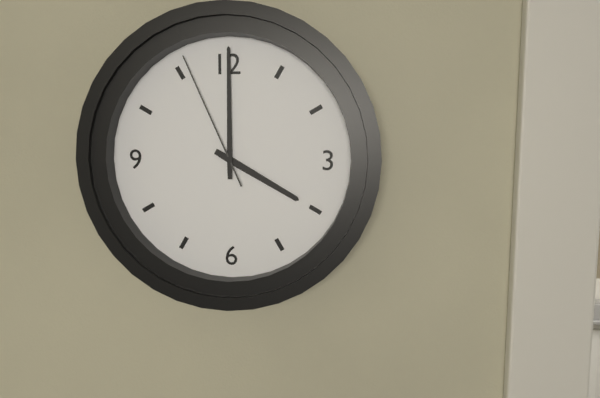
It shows {"hour": 4, "minute": 0, "second": 56}
